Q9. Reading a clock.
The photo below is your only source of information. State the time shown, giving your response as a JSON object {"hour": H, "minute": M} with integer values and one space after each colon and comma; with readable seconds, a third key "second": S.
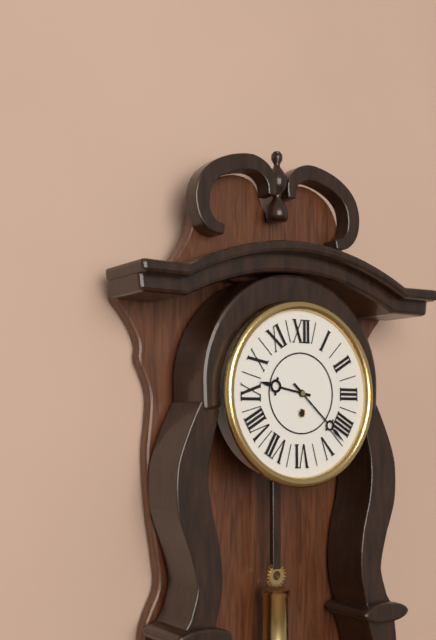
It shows {"hour": 9, "minute": 22}
